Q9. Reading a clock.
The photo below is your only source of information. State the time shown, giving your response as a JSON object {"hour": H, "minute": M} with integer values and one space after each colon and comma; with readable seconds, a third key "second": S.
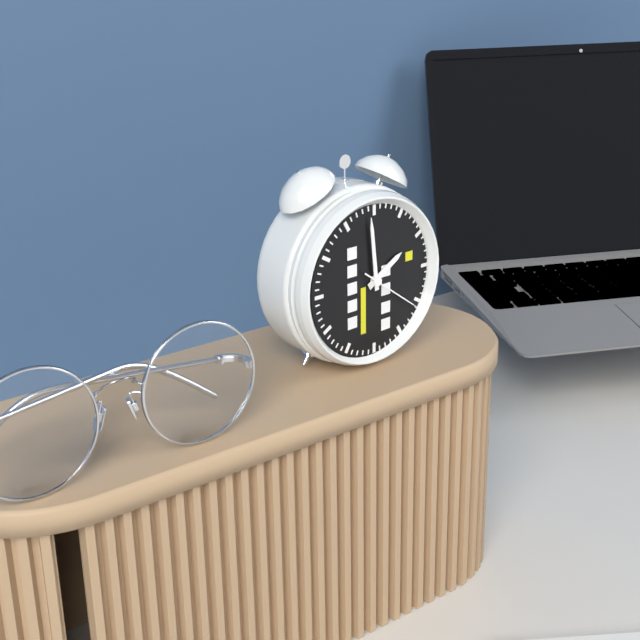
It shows {"hour": 1, "minute": 59, "second": 21}
